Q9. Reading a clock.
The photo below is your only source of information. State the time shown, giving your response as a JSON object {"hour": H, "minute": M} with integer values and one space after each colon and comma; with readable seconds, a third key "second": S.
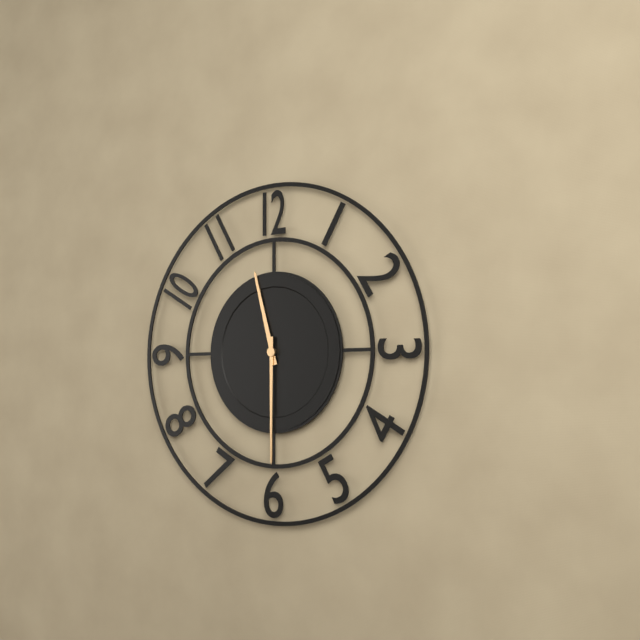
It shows {"hour": 11, "minute": 30}
